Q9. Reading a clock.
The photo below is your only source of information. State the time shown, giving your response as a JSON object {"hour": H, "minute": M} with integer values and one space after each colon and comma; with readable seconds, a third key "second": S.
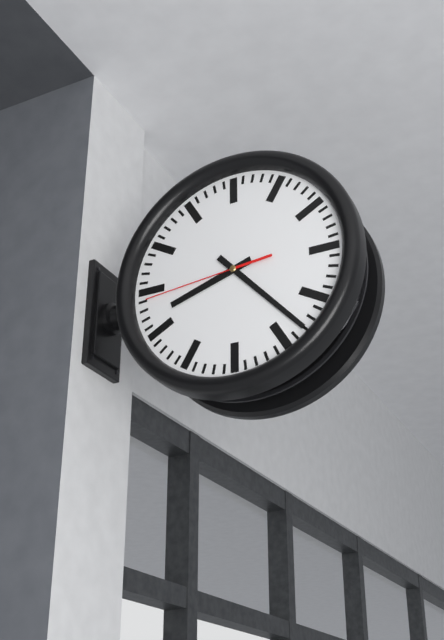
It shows {"hour": 8, "minute": 23, "second": 44}
